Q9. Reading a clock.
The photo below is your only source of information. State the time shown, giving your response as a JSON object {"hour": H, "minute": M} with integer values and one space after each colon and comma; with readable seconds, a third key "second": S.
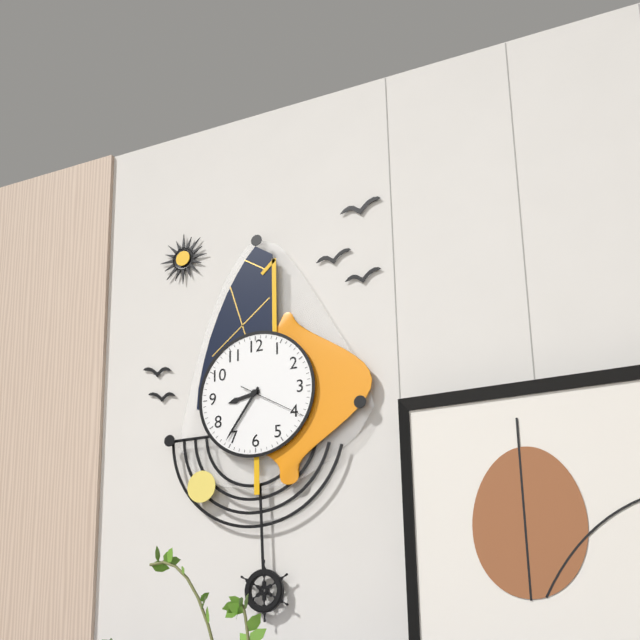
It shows {"hour": 8, "minute": 36, "second": 20}
